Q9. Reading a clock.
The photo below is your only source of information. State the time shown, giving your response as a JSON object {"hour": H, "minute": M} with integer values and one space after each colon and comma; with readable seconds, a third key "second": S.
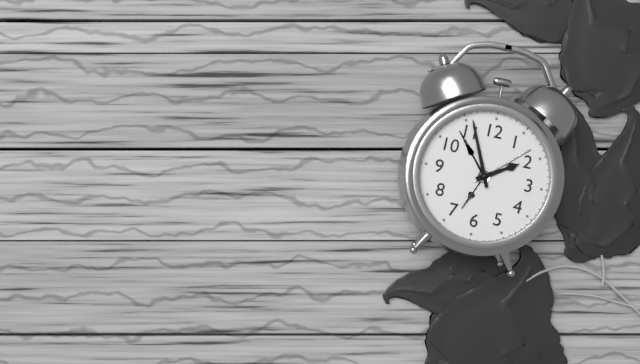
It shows {"hour": 1, "minute": 56}
